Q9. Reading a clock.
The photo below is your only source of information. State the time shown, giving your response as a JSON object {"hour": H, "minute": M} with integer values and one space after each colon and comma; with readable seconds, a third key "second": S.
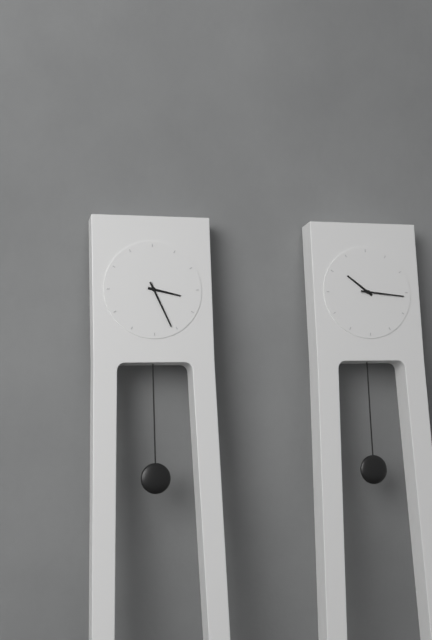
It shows {"hour": 3, "minute": 26}
